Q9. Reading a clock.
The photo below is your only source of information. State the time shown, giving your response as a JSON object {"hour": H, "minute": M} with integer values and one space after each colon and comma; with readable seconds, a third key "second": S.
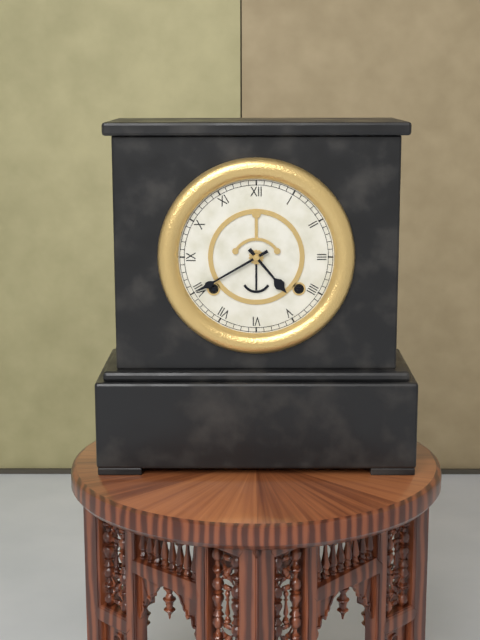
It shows {"hour": 4, "minute": 40}
